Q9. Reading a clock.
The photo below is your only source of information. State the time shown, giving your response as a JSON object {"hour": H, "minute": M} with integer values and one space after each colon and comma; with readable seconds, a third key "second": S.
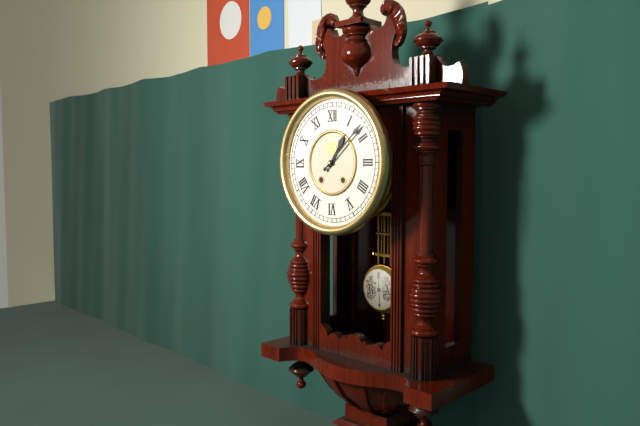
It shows {"hour": 1, "minute": 8}
